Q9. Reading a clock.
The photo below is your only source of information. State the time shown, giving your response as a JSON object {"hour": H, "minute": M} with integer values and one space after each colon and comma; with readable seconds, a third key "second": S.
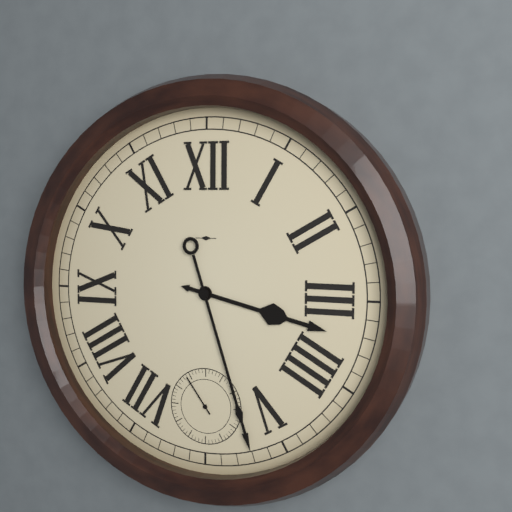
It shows {"hour": 3, "minute": 27}
